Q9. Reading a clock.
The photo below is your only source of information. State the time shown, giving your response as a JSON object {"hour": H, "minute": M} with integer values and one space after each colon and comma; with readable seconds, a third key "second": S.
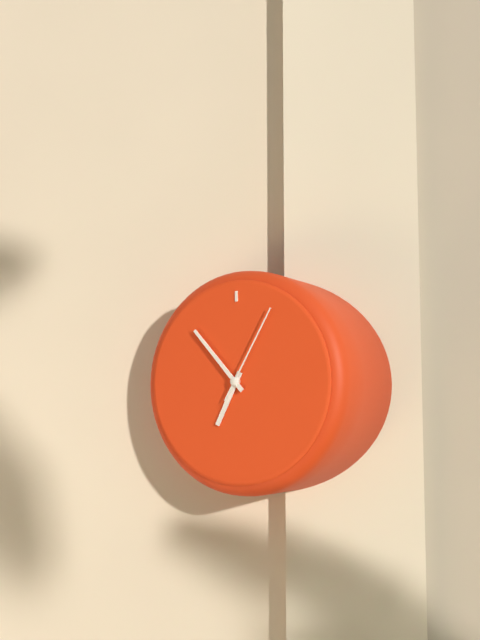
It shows {"hour": 6, "minute": 53, "second": 5}
